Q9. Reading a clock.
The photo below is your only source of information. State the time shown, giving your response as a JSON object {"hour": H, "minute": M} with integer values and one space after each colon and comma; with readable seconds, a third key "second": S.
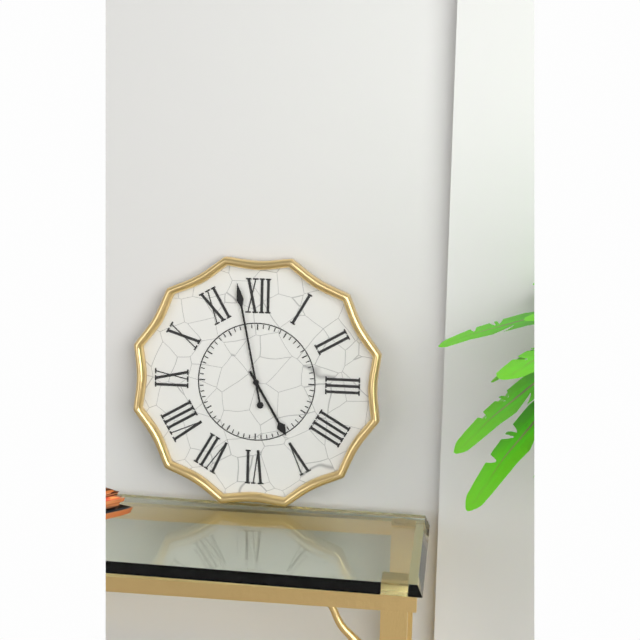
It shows {"hour": 4, "minute": 58}
